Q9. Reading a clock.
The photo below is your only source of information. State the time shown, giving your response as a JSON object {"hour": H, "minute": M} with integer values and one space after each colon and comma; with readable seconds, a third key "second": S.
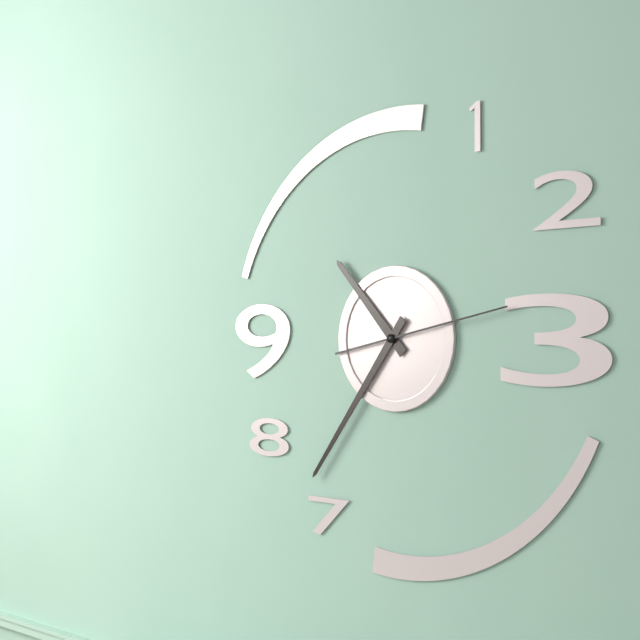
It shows {"hour": 10, "minute": 36, "second": 13}
